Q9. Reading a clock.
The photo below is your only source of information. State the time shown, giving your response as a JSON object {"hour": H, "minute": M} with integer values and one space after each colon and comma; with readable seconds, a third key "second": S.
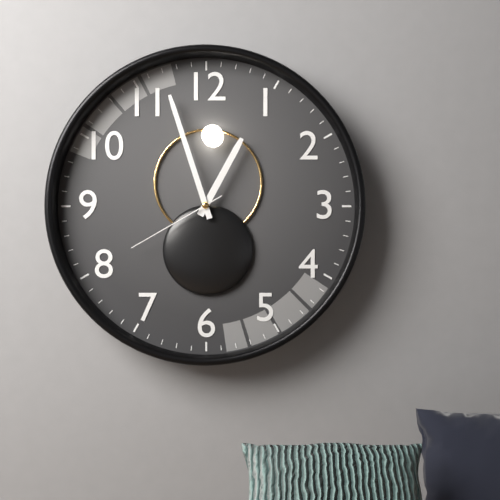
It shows {"hour": 12, "minute": 57, "second": 40}
